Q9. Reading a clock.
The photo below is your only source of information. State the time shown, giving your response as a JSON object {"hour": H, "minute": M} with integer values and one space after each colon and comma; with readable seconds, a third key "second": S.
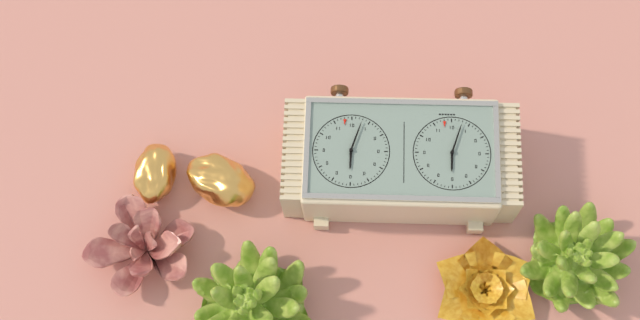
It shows {"hour": 6, "minute": 3}
